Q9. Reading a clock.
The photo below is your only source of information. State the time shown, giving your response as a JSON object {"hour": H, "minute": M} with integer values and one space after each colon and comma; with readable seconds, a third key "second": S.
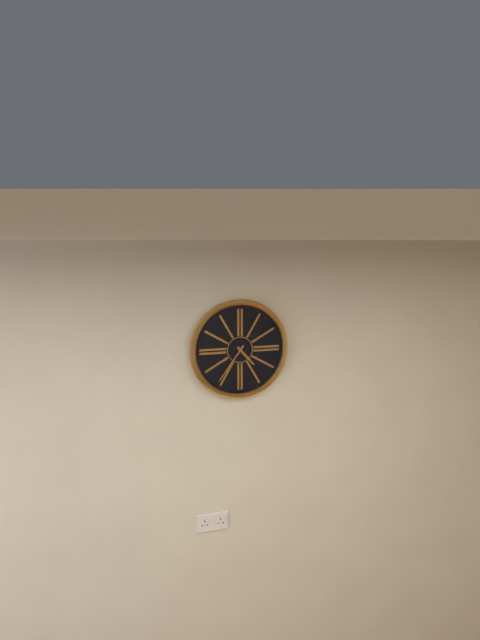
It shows {"hour": 4, "minute": 36}
